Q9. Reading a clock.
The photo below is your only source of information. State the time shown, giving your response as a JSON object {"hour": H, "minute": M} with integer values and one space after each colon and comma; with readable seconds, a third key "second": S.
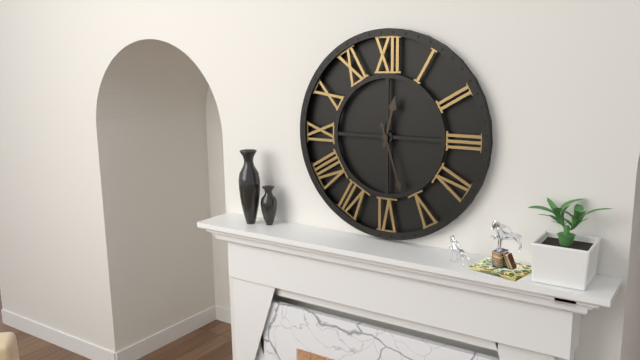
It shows {"hour": 12, "minute": 27}
